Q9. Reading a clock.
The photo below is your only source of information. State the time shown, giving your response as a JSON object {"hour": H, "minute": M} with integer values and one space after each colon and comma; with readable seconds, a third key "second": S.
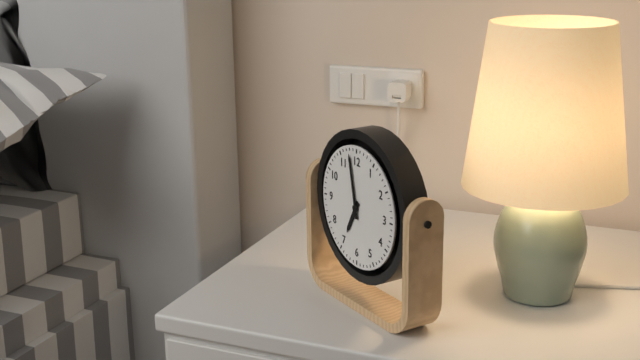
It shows {"hour": 6, "minute": 58}
